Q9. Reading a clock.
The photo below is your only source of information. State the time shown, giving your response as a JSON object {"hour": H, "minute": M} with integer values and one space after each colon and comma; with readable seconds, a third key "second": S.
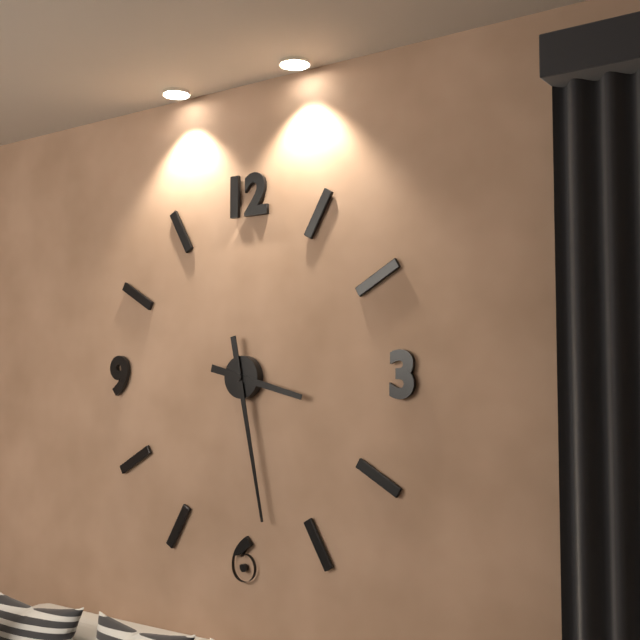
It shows {"hour": 3, "minute": 28}
